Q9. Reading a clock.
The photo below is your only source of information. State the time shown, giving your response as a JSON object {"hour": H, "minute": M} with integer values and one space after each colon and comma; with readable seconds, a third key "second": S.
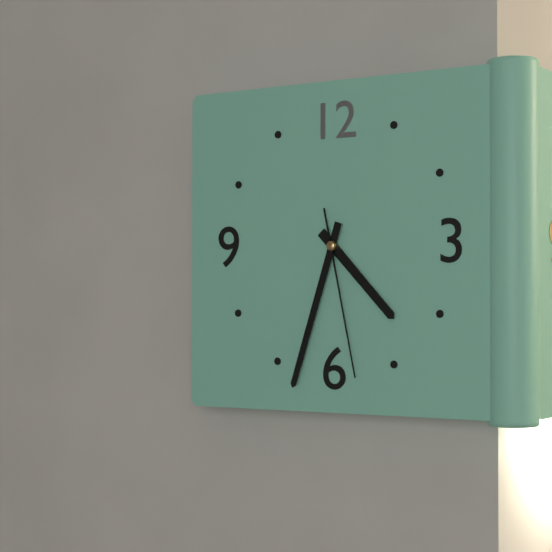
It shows {"hour": 4, "minute": 33, "second": 28}
